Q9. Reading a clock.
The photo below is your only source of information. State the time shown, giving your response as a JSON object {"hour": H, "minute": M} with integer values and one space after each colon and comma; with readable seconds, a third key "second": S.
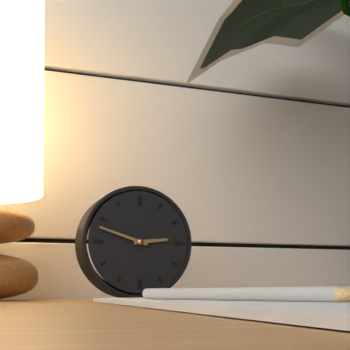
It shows {"hour": 2, "minute": 48}
